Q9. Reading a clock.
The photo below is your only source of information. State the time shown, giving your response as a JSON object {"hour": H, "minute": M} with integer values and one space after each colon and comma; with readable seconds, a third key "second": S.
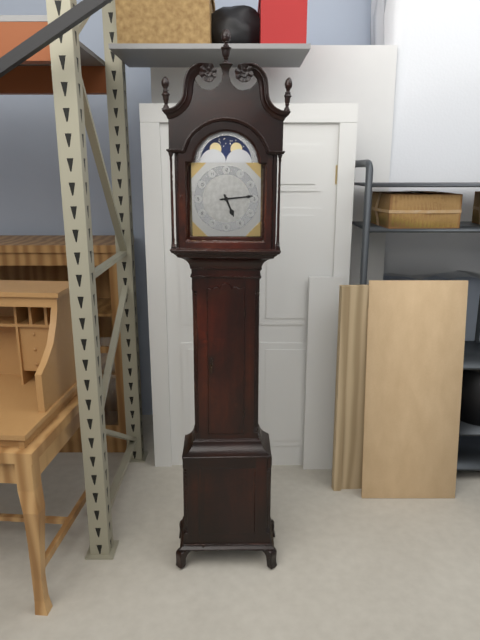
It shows {"hour": 5, "minute": 14}
